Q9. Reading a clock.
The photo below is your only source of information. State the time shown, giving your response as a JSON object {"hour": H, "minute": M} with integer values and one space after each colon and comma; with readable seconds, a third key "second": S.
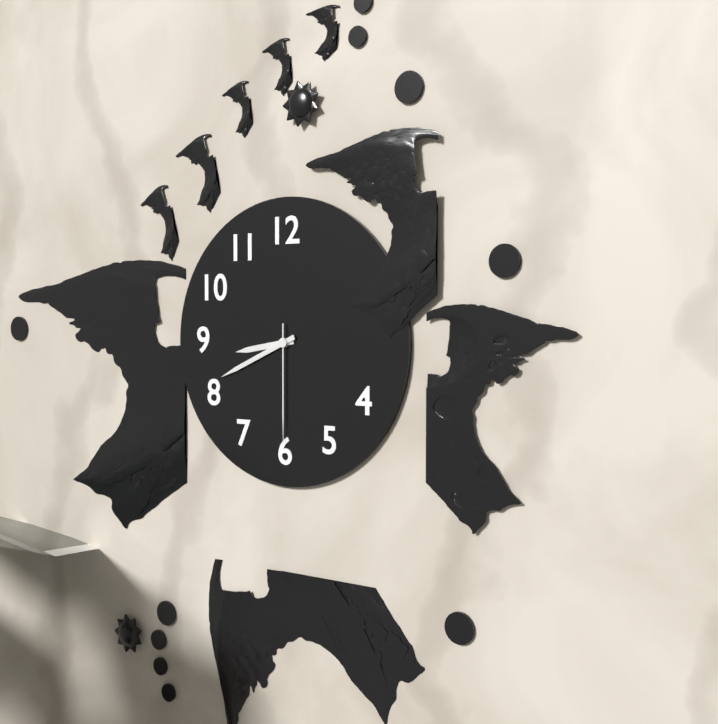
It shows {"hour": 8, "minute": 41, "second": 30}
